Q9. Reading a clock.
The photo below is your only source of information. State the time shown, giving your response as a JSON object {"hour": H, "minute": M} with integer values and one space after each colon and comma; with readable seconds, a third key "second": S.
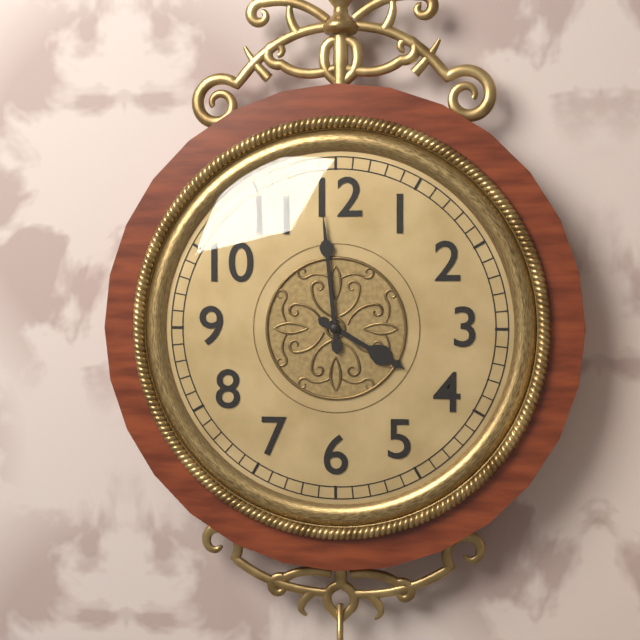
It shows {"hour": 3, "minute": 59}
